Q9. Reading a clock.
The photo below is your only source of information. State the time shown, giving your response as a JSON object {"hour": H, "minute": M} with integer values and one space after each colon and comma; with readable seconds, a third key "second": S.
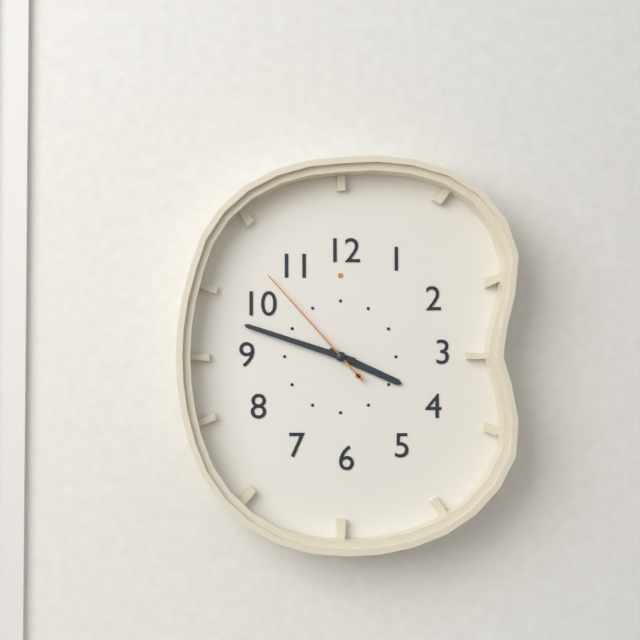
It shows {"hour": 3, "minute": 48, "second": 53}
